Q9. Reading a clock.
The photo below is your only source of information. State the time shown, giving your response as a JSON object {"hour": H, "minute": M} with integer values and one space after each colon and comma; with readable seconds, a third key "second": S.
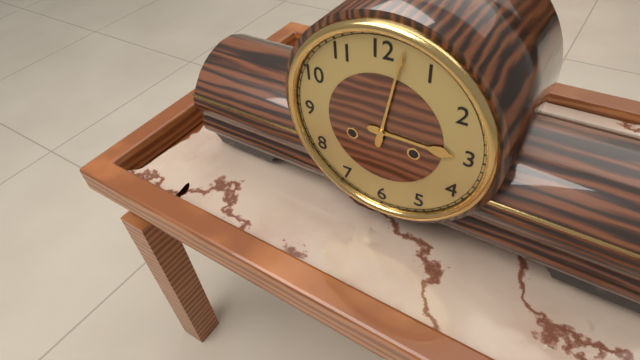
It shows {"hour": 3, "minute": 2}
